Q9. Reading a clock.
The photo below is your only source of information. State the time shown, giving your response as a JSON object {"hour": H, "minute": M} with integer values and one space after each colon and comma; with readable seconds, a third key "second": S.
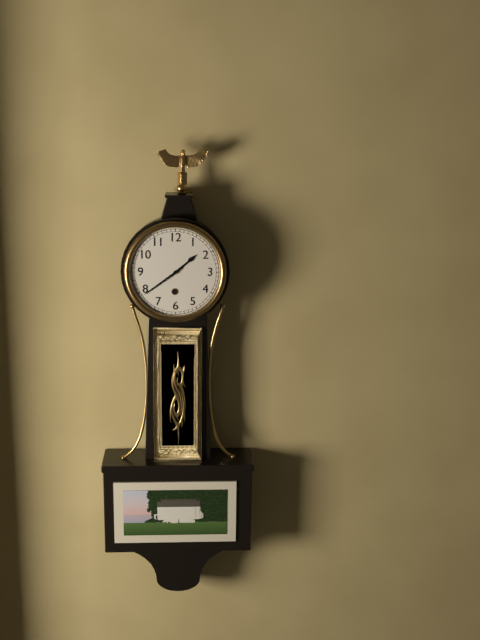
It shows {"hour": 1, "minute": 39}
